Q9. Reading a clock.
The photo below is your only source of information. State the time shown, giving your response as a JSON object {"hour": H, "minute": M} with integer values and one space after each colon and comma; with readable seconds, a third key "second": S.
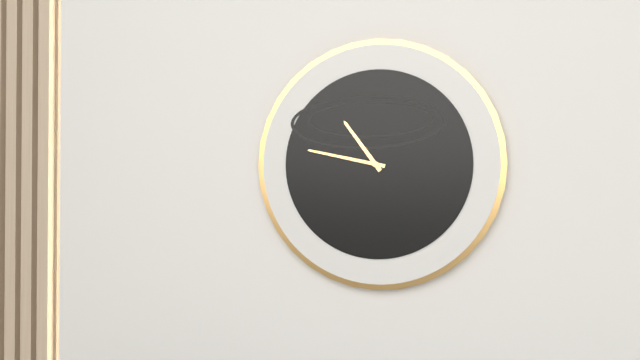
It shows {"hour": 10, "minute": 47}
